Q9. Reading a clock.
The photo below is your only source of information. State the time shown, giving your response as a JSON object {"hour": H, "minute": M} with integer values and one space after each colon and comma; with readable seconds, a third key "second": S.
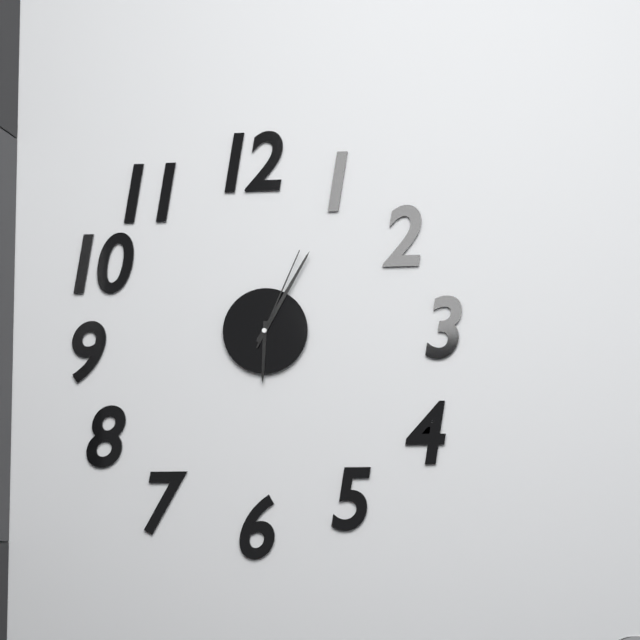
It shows {"hour": 6, "minute": 5, "second": 4}
